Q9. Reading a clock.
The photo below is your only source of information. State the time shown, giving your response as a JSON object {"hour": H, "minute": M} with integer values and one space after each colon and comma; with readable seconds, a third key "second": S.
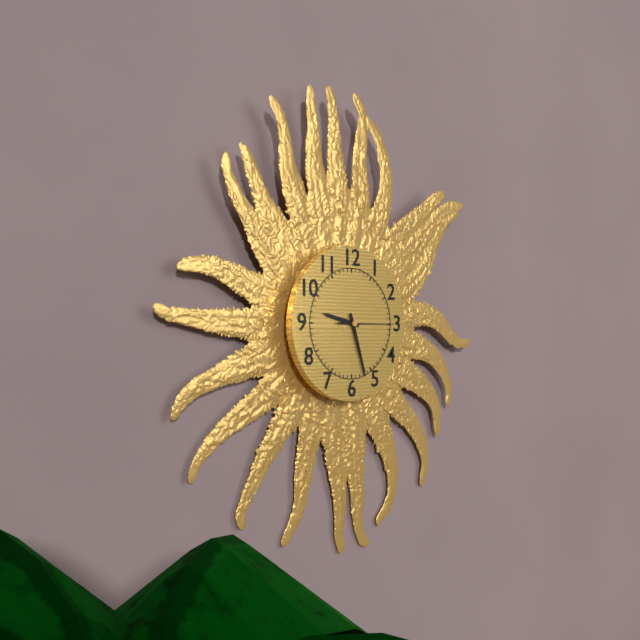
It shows {"hour": 9, "minute": 27, "second": 15}
